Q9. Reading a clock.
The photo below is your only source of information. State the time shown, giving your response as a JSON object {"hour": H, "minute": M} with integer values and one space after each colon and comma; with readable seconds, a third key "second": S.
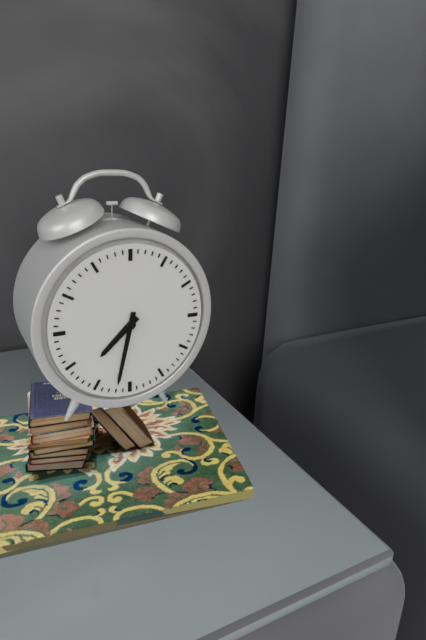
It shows {"hour": 7, "minute": 32}
